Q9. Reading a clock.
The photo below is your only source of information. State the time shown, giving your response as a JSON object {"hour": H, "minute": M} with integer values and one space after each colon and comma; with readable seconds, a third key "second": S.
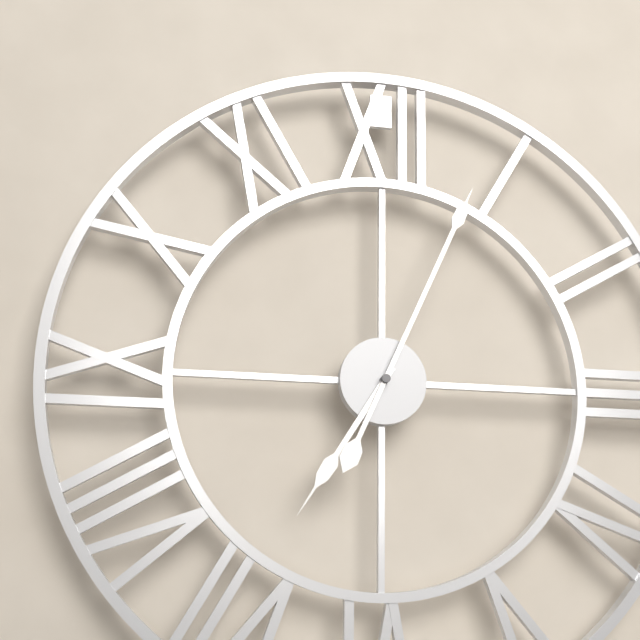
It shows {"hour": 7, "minute": 4}
